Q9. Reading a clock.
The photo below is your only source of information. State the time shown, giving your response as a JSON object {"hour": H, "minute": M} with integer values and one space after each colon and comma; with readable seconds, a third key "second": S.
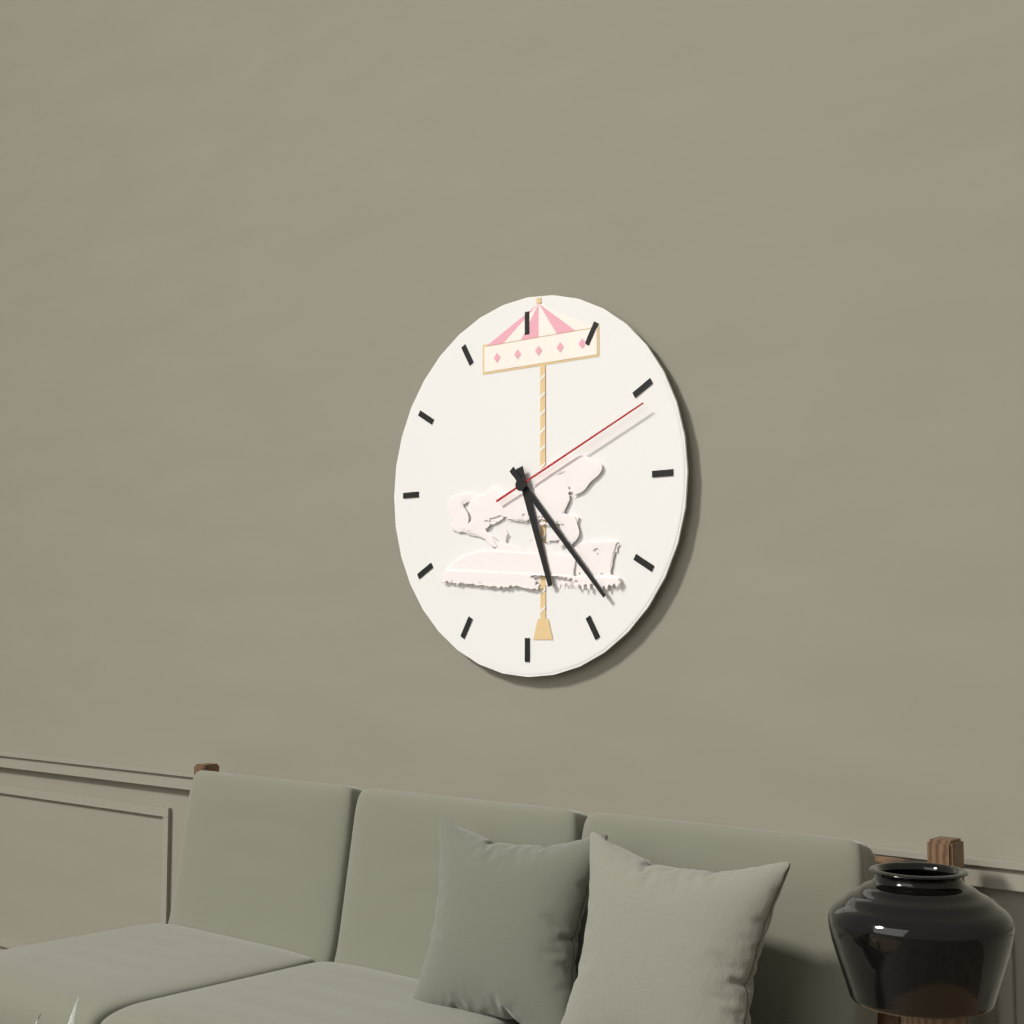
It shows {"hour": 5, "minute": 23, "second": 11}
